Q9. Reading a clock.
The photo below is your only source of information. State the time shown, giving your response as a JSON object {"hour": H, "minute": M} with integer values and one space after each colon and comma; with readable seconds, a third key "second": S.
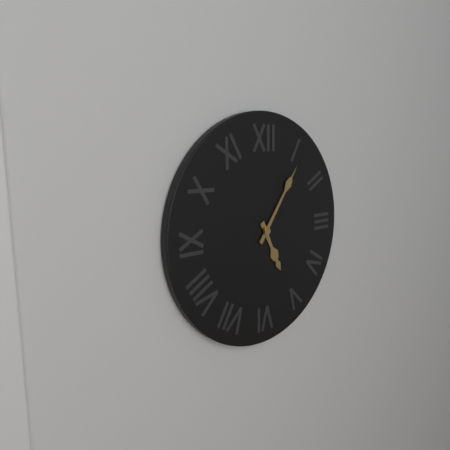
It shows {"hour": 5, "minute": 6}
